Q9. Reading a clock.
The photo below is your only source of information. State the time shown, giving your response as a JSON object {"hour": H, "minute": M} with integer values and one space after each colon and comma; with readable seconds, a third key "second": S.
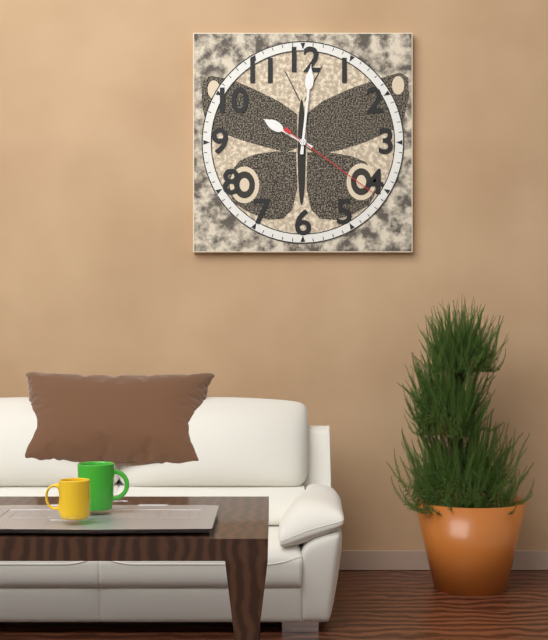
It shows {"hour": 10, "minute": 1, "second": 21}
